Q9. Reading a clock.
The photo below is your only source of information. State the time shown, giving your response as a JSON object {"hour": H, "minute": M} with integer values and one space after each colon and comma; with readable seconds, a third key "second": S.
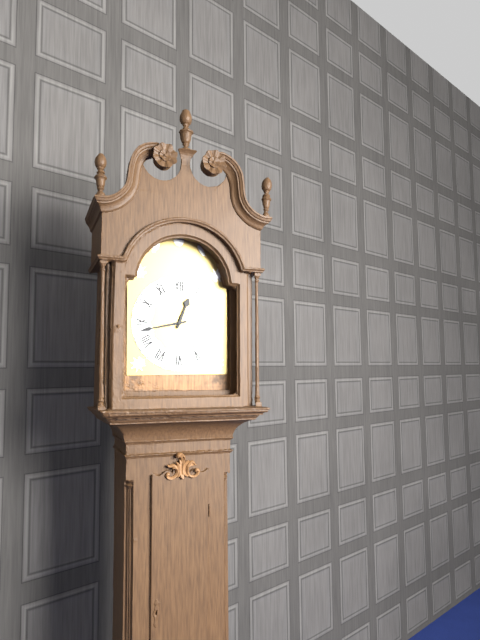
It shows {"hour": 12, "minute": 43}
